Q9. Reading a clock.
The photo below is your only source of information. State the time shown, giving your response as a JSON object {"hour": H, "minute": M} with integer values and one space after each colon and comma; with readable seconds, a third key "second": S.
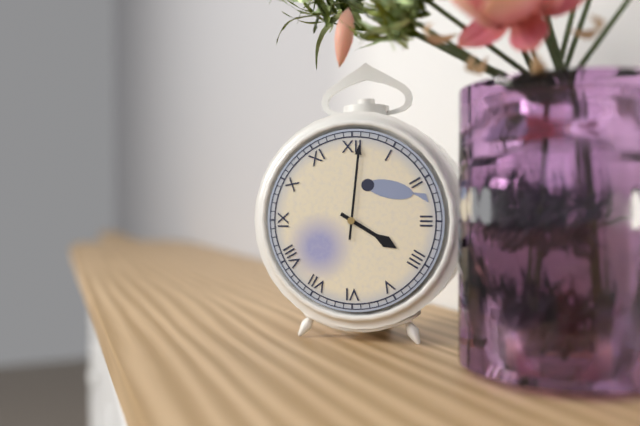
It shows {"hour": 4, "minute": 1}
